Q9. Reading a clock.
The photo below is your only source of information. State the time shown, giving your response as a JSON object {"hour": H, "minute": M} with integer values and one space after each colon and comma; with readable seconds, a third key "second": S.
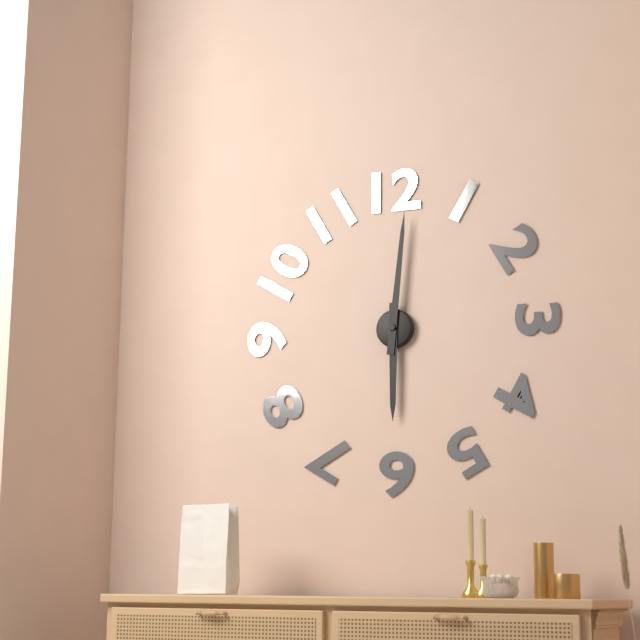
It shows {"hour": 6, "minute": 1}
